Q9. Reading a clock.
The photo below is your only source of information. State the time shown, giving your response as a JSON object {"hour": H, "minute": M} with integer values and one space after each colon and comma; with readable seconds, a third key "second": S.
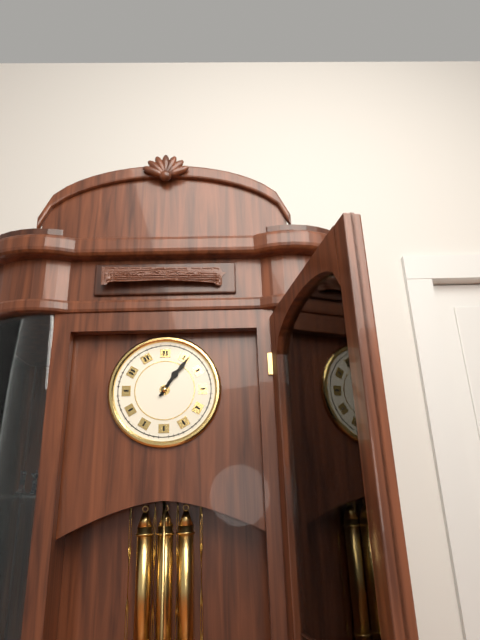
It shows {"hour": 1, "minute": 6}
